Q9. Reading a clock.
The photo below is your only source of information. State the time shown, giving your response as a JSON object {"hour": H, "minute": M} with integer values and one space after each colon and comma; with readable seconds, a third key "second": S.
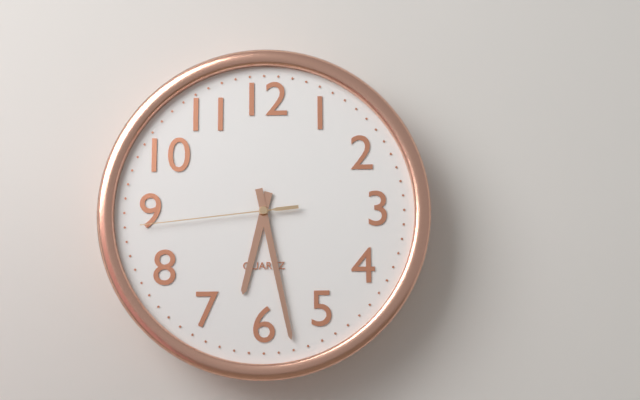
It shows {"hour": 6, "minute": 28, "second": 44}
